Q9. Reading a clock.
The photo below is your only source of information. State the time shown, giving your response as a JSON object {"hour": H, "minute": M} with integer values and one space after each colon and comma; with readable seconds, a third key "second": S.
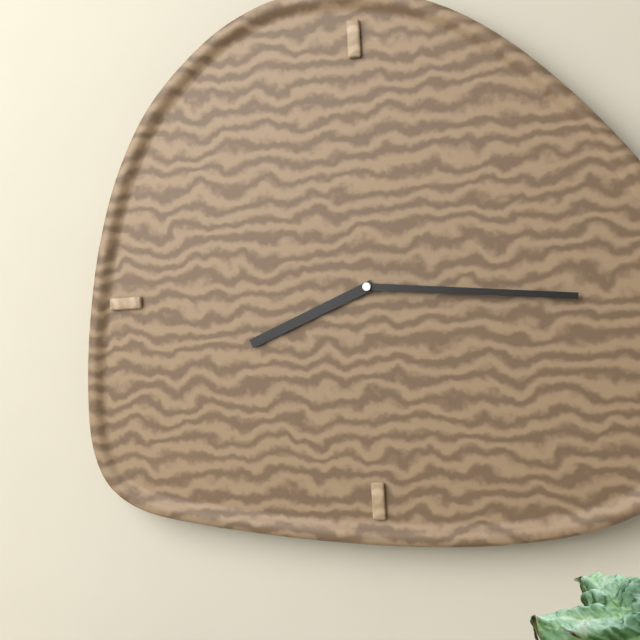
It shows {"hour": 8, "minute": 16}
